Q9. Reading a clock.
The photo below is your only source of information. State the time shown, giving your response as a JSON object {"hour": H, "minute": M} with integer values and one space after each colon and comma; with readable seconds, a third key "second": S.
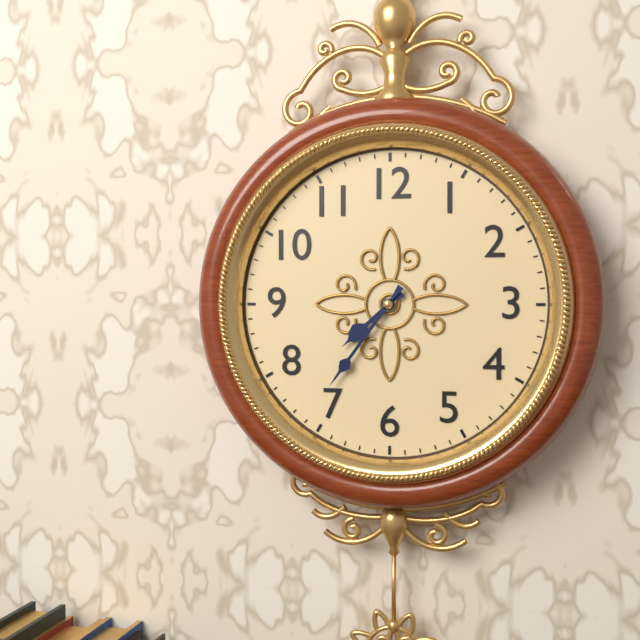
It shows {"hour": 7, "minute": 36}
